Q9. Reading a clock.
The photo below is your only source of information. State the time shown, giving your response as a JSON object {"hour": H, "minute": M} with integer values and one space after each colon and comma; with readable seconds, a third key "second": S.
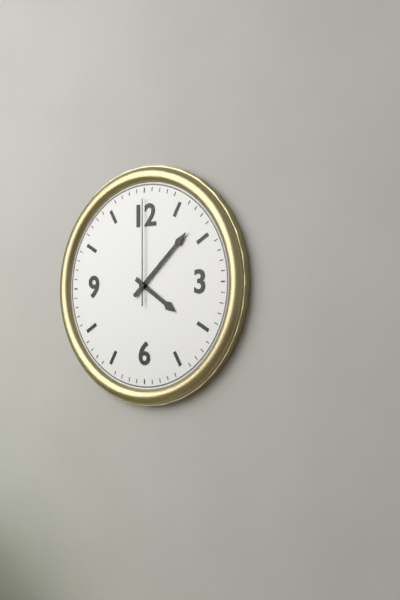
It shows {"hour": 4, "minute": 8, "second": 0}
